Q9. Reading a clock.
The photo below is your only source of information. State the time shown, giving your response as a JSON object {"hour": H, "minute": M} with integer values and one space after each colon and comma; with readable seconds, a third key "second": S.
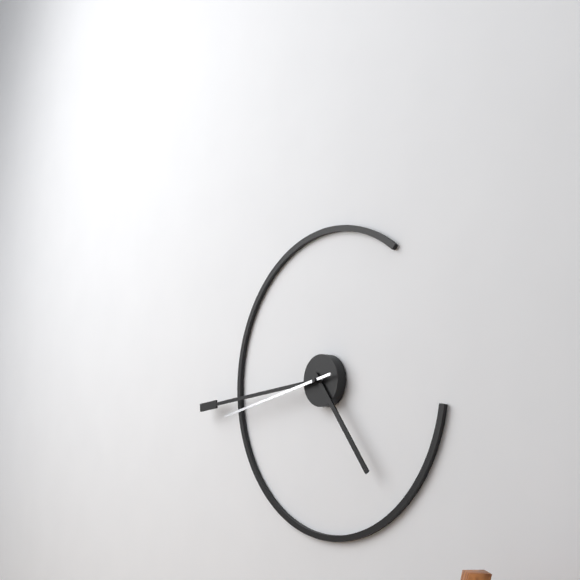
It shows {"hour": 4, "minute": 44, "second": 43}
